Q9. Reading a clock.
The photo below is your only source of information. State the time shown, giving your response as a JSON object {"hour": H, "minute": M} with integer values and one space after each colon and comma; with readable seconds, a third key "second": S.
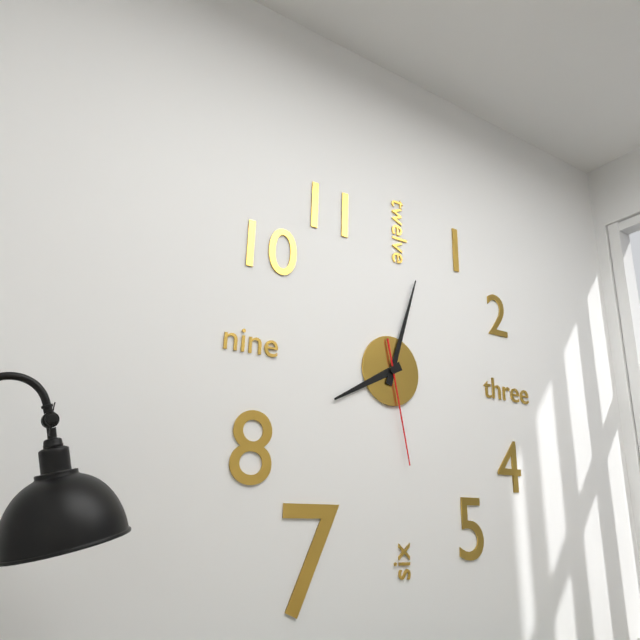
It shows {"hour": 8, "minute": 3, "second": 28}
